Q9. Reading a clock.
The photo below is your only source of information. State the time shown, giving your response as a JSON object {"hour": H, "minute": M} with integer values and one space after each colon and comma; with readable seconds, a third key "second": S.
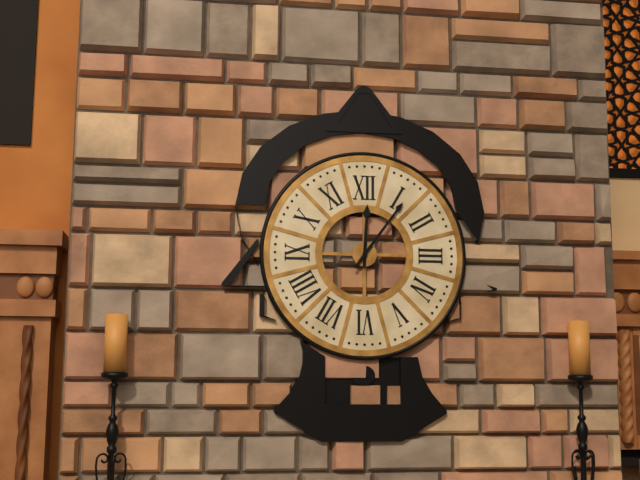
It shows {"hour": 12, "minute": 6}
